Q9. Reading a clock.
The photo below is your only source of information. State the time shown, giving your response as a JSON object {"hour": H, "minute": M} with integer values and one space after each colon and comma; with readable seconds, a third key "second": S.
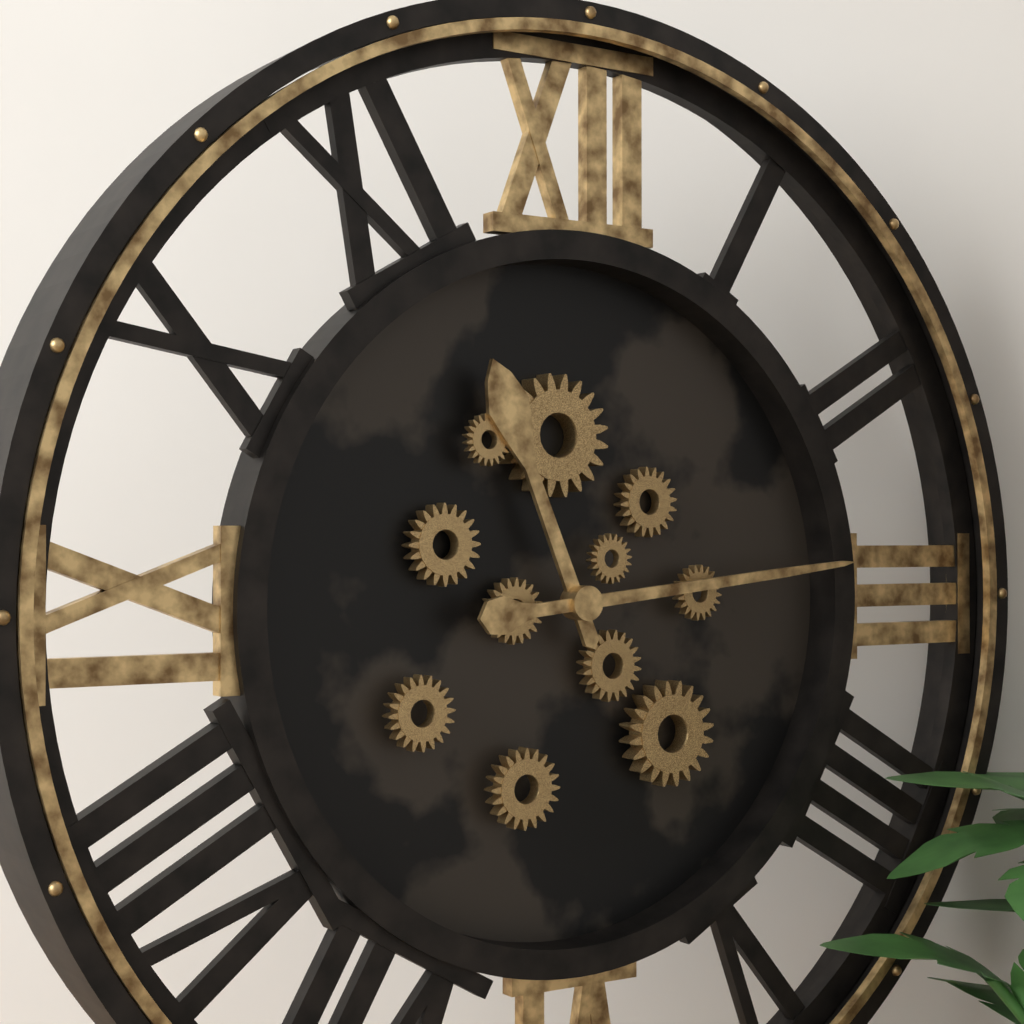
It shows {"hour": 11, "minute": 14}
